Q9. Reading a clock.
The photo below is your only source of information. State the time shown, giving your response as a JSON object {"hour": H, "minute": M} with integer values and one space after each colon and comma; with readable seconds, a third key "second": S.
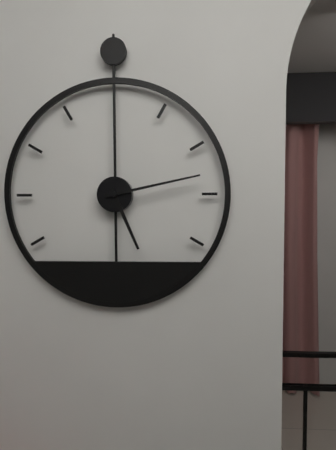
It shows {"hour": 5, "minute": 13}
